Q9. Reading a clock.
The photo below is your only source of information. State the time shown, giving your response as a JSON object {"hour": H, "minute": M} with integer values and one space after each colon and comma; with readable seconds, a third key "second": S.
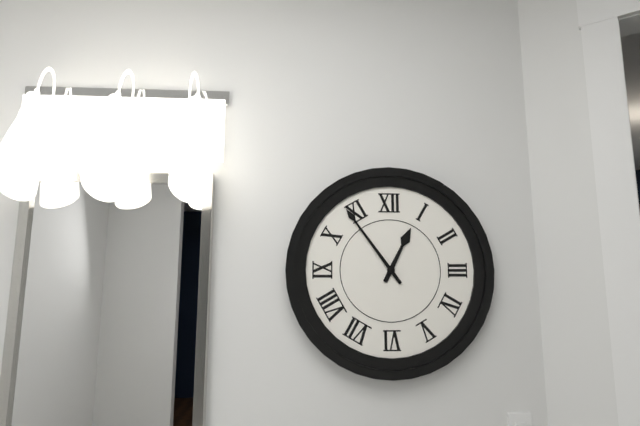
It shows {"hour": 12, "minute": 54}
